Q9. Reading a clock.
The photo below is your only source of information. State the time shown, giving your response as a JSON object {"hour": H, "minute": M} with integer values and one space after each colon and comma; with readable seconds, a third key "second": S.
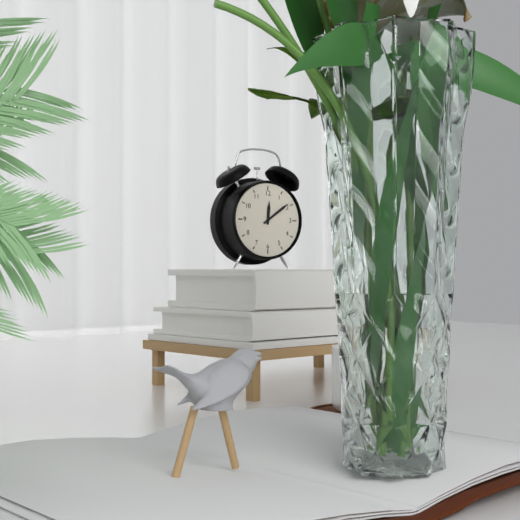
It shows {"hour": 12, "minute": 9}
